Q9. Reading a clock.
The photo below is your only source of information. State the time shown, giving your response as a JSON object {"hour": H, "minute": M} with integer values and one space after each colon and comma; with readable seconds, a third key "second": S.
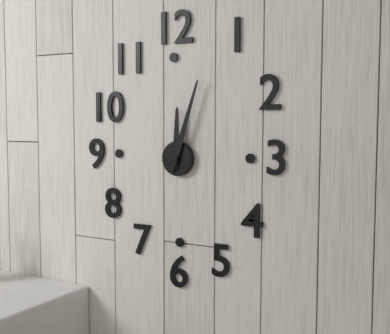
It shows {"hour": 12, "minute": 3}
